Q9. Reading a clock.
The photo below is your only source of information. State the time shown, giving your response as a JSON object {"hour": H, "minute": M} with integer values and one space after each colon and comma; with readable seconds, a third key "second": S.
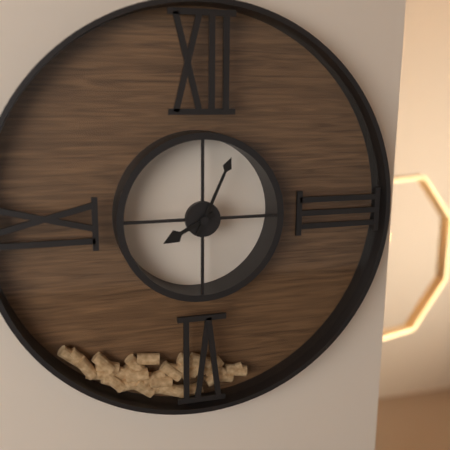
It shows {"hour": 8, "minute": 4}
